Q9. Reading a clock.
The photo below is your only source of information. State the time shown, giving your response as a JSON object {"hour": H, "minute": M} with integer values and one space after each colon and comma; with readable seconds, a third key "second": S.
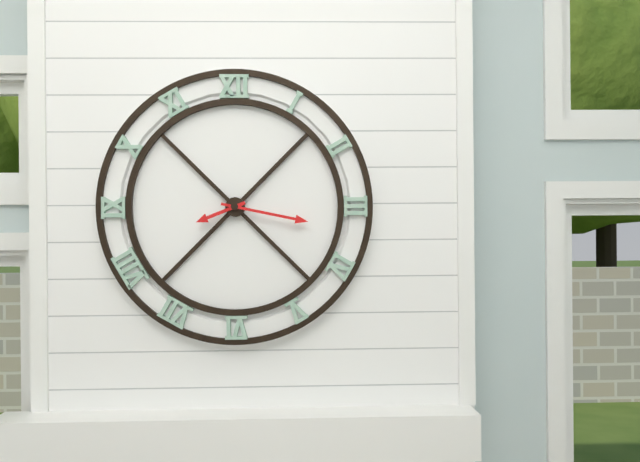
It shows {"hour": 8, "minute": 17}
